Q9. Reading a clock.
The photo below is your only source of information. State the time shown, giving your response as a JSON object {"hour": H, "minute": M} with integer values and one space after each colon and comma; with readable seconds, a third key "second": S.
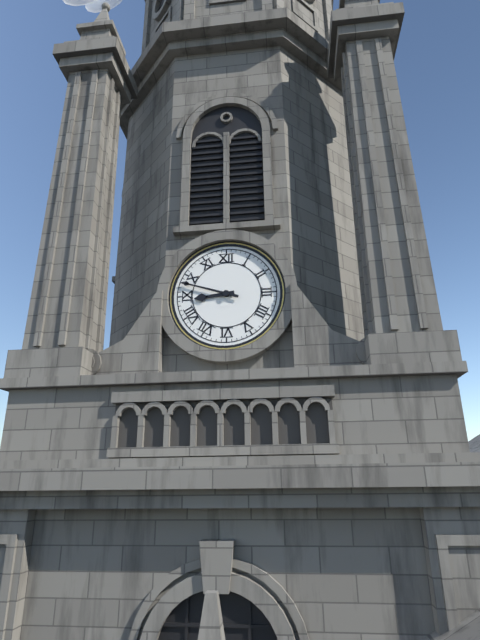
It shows {"hour": 8, "minute": 48}
